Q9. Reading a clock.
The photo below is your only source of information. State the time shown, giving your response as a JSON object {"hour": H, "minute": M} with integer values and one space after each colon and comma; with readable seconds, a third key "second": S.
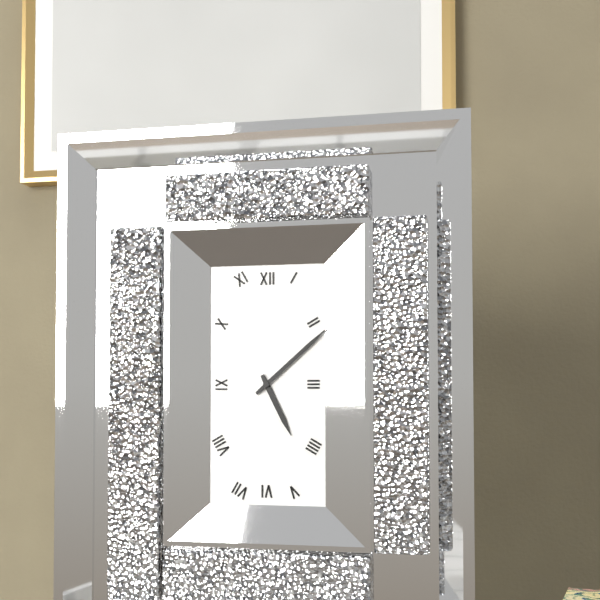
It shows {"hour": 5, "minute": 8}
